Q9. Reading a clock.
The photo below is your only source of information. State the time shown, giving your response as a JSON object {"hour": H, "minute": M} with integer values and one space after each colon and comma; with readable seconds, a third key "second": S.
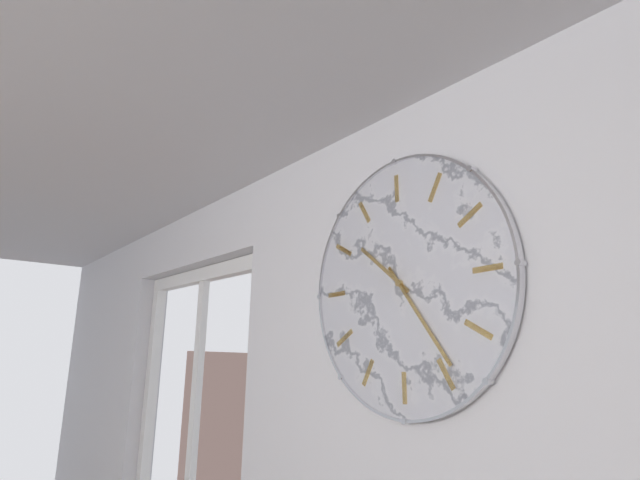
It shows {"hour": 9, "minute": 19}
